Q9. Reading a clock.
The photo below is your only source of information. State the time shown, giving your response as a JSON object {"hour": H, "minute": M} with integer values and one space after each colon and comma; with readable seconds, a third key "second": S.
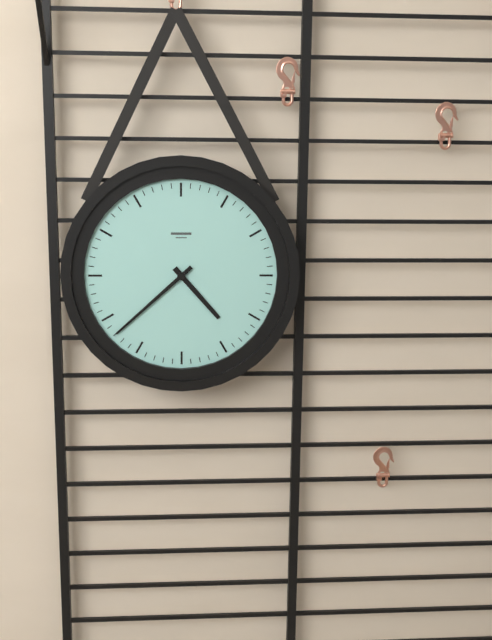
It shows {"hour": 4, "minute": 38}
